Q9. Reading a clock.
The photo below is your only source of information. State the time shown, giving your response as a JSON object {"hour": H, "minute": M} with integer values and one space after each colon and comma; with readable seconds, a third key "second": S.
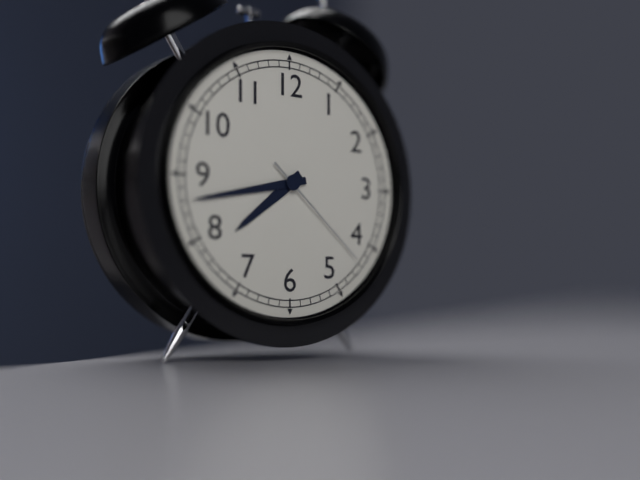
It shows {"hour": 7, "minute": 43, "second": 22}
